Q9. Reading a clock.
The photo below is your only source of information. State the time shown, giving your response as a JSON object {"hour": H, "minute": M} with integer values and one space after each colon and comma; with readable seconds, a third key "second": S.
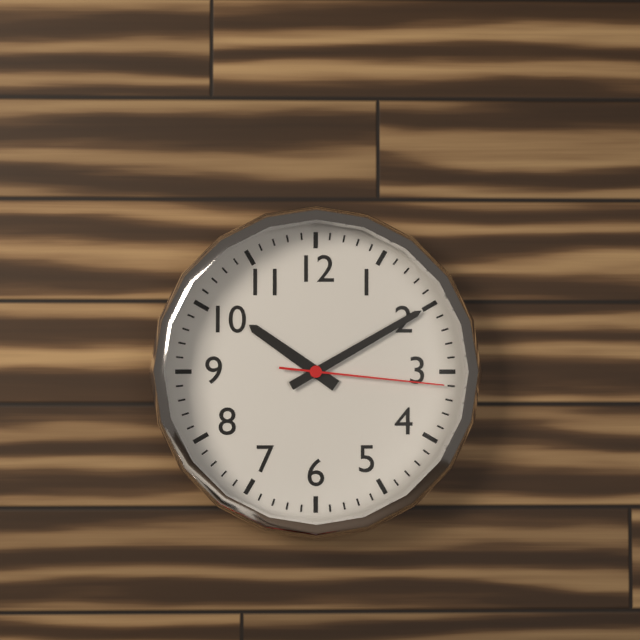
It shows {"hour": 10, "minute": 10, "second": 16}
